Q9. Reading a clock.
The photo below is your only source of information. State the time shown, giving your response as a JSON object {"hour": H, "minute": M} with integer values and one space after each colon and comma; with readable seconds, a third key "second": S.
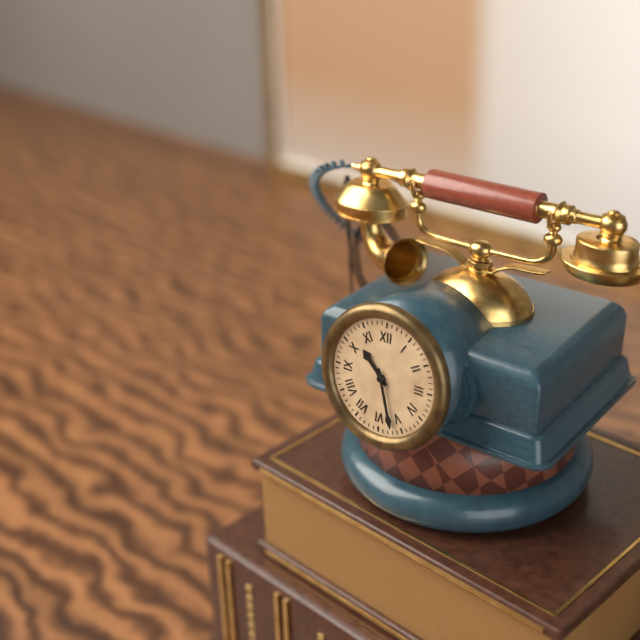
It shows {"hour": 10, "minute": 27}
